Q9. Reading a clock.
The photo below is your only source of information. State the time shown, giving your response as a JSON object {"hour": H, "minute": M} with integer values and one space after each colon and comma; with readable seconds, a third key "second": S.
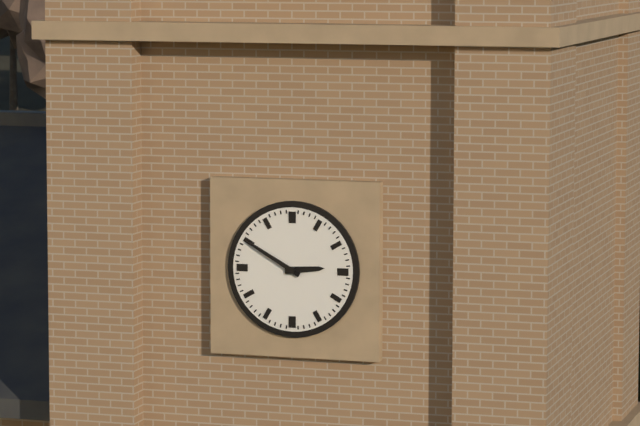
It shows {"hour": 2, "minute": 50}
